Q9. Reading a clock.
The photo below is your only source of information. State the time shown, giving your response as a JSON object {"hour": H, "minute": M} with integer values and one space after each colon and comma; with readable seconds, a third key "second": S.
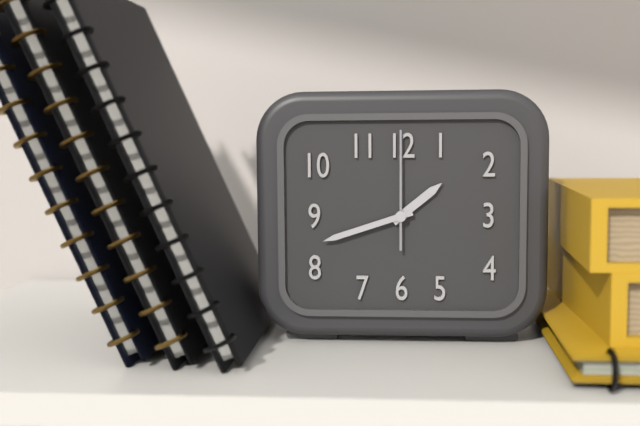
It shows {"hour": 1, "minute": 42, "second": 0}
